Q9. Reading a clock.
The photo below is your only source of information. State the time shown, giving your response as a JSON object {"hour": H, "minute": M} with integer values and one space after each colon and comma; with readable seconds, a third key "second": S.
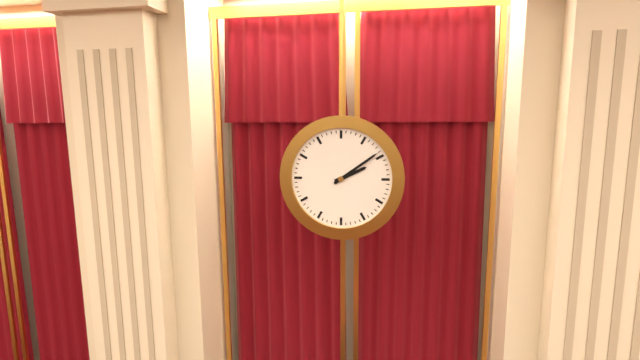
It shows {"hour": 2, "minute": 9}
